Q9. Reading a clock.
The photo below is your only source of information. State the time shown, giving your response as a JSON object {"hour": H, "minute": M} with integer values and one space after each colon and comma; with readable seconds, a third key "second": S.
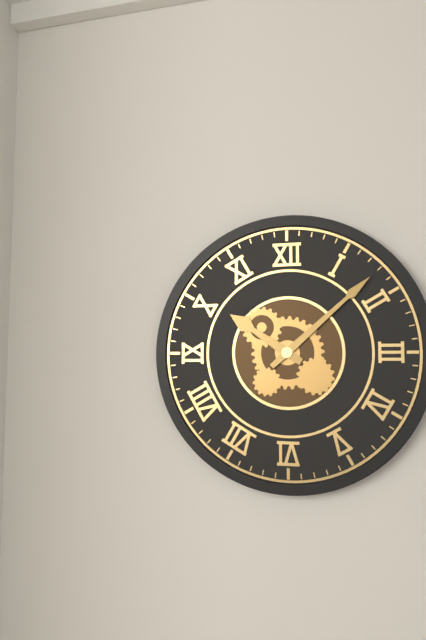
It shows {"hour": 10, "minute": 8}
